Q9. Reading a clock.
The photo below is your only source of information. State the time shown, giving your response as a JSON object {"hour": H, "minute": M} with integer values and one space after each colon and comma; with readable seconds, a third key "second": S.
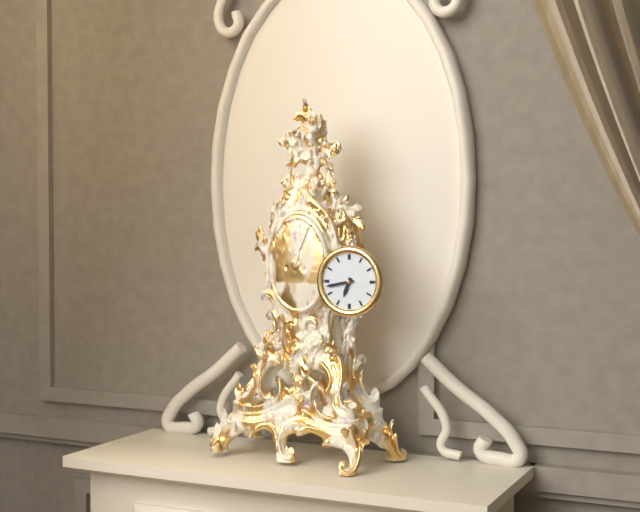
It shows {"hour": 6, "minute": 43}
